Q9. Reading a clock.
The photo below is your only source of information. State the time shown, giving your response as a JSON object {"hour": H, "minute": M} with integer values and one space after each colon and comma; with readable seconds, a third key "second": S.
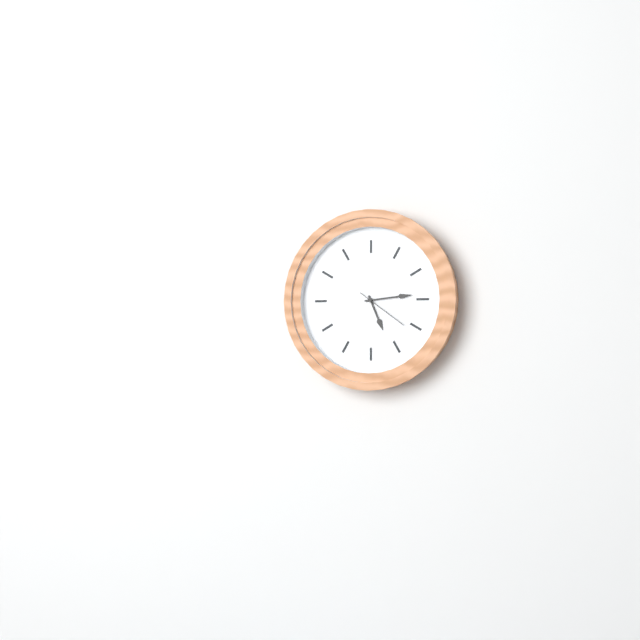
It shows {"hour": 5, "minute": 14, "second": 21}
